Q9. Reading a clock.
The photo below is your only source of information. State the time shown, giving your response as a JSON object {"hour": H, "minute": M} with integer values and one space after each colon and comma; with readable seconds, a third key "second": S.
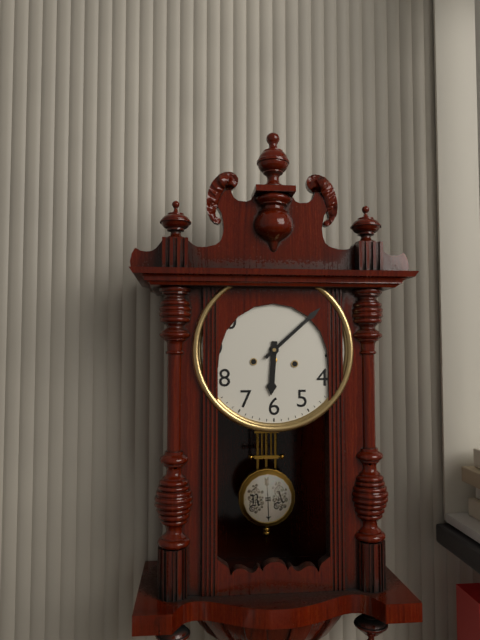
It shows {"hour": 6, "minute": 8}
